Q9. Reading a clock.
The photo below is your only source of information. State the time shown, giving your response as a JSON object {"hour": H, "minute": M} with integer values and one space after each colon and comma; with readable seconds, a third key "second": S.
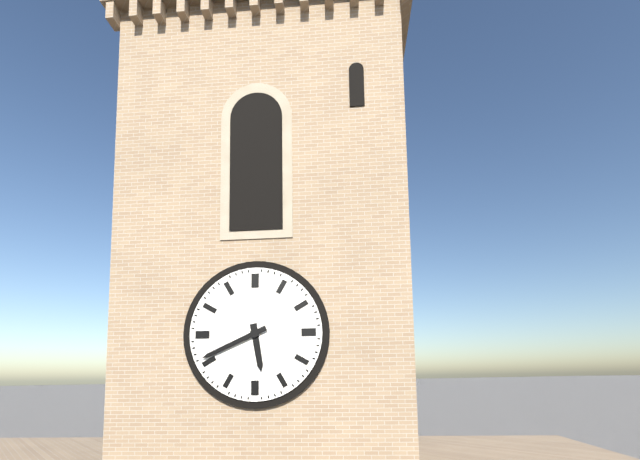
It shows {"hour": 5, "minute": 41}
